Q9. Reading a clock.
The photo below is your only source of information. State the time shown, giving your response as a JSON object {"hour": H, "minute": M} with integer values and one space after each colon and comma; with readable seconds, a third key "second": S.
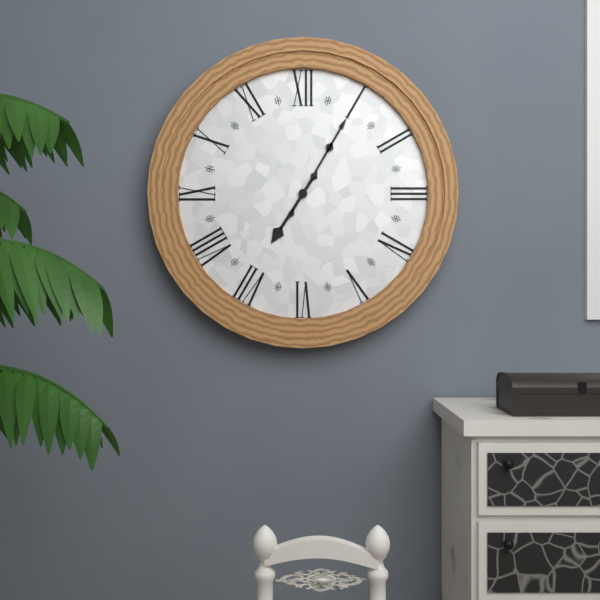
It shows {"hour": 7, "minute": 5}
